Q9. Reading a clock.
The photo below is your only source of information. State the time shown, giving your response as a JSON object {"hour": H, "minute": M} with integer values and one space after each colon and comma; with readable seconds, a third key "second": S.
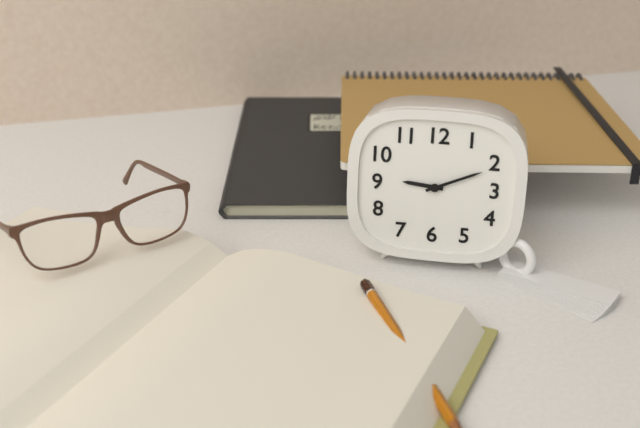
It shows {"hour": 9, "minute": 11}
